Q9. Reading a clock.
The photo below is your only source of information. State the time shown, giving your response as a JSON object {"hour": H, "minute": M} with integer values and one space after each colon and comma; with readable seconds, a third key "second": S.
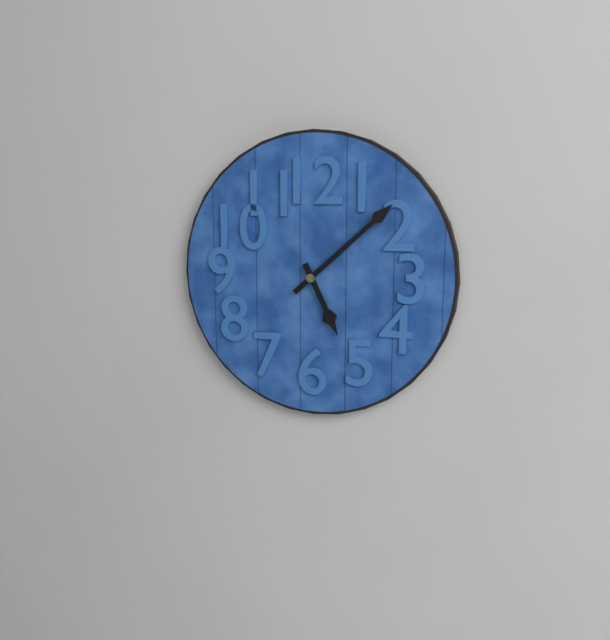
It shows {"hour": 5, "minute": 8}
